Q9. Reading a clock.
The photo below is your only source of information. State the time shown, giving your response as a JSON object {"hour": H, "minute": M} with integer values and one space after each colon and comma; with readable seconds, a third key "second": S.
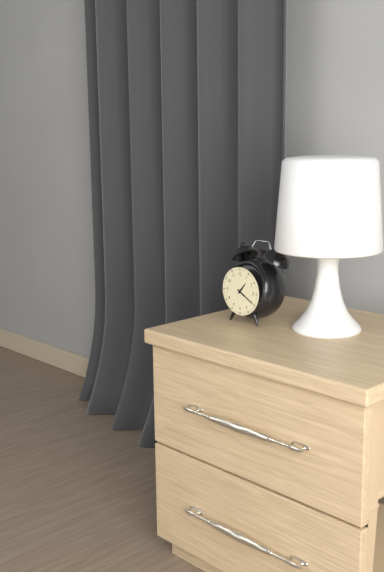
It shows {"hour": 1, "minute": 20}
